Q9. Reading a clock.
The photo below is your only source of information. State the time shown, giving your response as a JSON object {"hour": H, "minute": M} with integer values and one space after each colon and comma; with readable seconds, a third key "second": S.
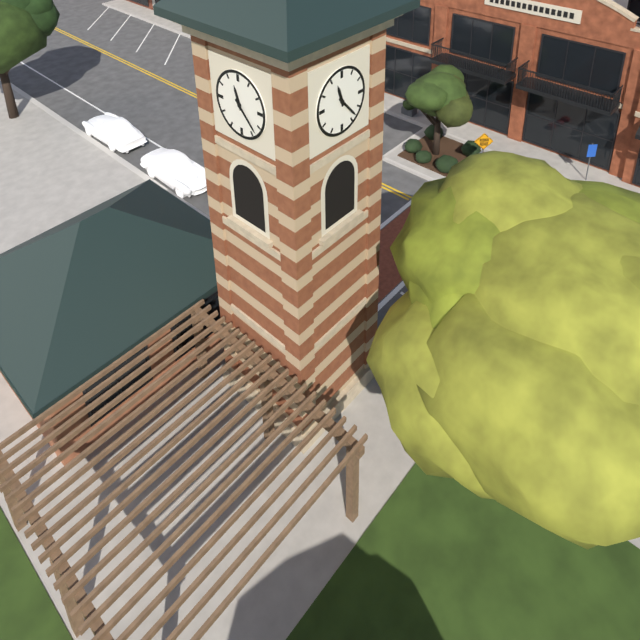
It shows {"hour": 11, "minute": 23}
